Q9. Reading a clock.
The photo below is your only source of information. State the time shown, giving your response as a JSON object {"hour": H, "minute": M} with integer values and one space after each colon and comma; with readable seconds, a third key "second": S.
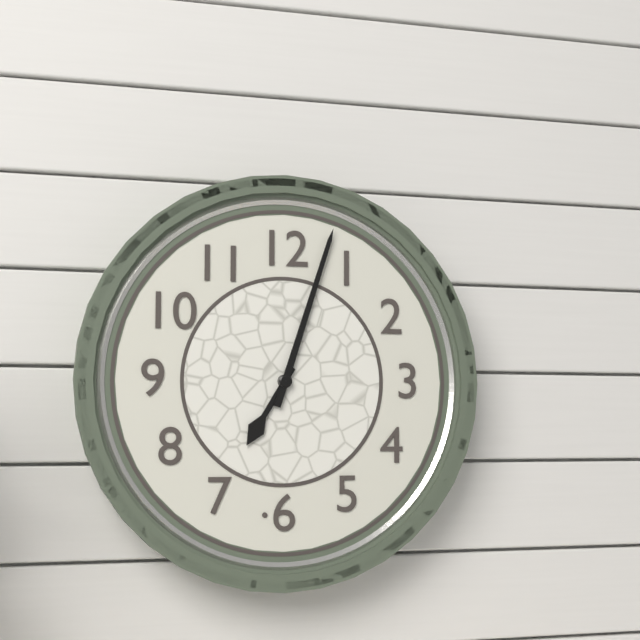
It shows {"hour": 7, "minute": 3}
